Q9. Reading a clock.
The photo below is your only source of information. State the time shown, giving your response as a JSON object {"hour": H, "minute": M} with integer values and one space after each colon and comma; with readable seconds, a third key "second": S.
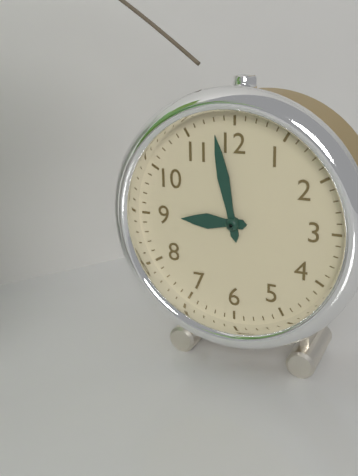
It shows {"hour": 8, "minute": 58}
